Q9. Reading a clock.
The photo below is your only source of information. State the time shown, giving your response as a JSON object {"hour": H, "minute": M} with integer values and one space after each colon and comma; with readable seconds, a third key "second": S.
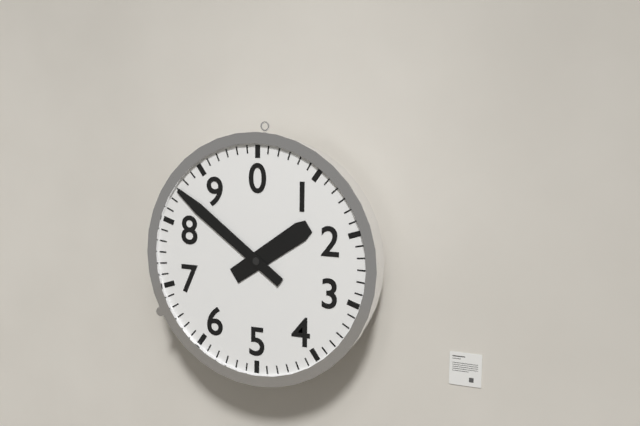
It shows {"hour": 1, "minute": 51}
